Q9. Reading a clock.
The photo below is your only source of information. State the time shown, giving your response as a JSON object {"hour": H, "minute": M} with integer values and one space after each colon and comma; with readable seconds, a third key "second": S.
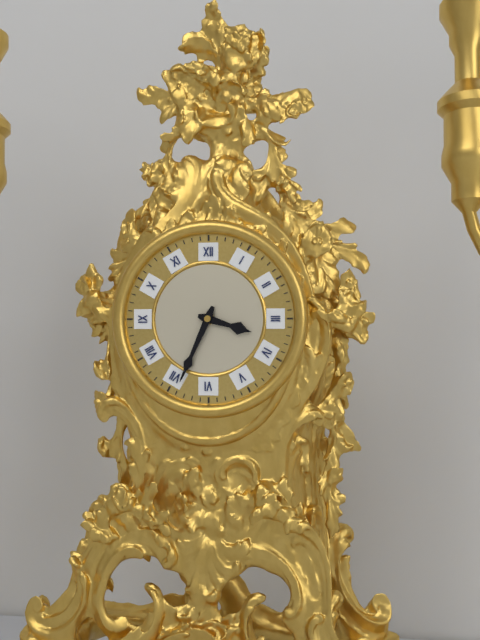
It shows {"hour": 3, "minute": 34}
